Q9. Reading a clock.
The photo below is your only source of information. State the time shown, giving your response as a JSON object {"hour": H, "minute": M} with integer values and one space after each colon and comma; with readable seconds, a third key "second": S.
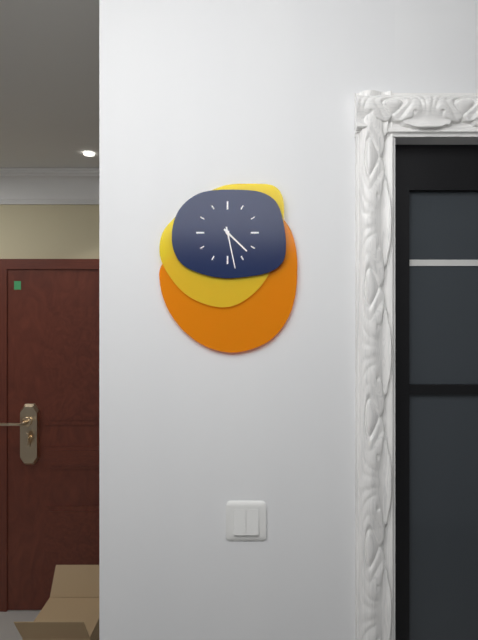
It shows {"hour": 4, "minute": 28}
